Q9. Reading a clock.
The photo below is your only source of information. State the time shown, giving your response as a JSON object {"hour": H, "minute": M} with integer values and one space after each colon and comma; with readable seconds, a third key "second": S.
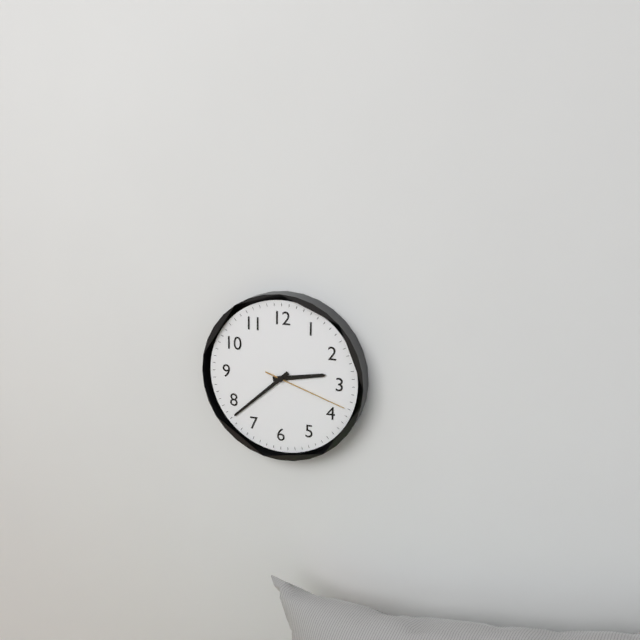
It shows {"hour": 2, "minute": 38, "second": 18}
